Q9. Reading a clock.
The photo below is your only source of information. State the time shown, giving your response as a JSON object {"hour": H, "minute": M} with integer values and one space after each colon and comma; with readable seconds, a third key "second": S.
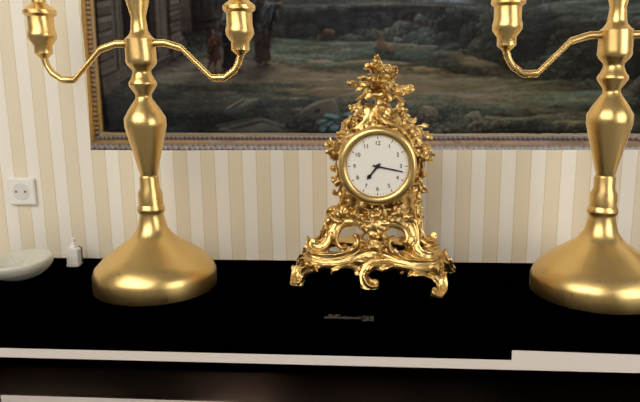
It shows {"hour": 7, "minute": 17}
